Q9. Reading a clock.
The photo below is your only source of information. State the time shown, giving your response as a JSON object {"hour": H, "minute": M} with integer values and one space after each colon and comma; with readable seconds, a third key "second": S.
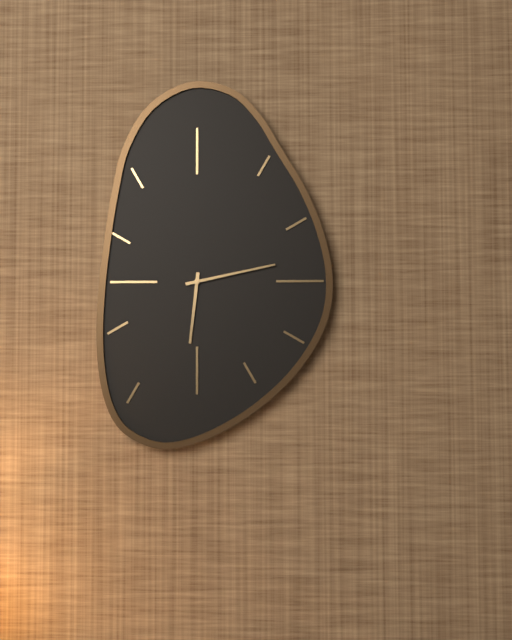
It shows {"hour": 6, "minute": 13}
